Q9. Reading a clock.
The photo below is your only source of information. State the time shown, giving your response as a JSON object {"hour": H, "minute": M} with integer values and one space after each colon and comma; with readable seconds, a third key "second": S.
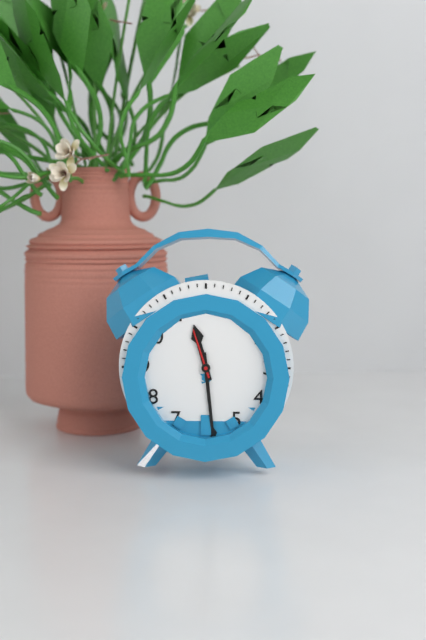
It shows {"hour": 11, "minute": 29, "second": 57}
